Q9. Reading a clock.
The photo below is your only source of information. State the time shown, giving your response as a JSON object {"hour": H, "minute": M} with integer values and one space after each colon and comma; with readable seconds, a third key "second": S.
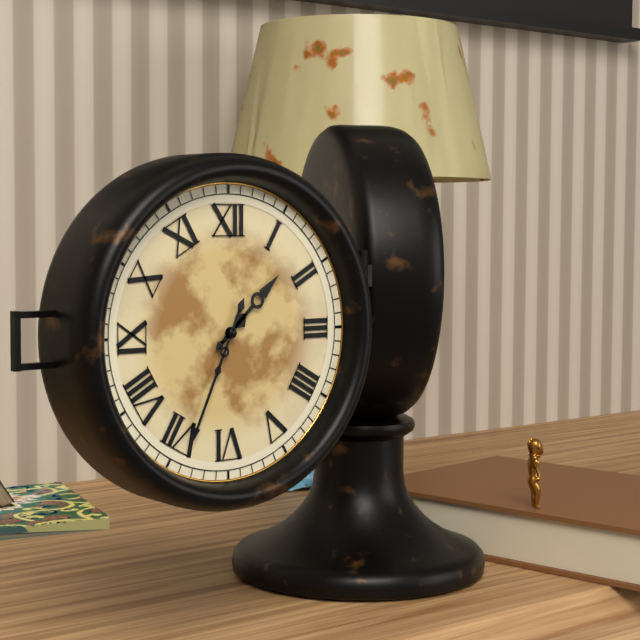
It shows {"hour": 1, "minute": 34}
